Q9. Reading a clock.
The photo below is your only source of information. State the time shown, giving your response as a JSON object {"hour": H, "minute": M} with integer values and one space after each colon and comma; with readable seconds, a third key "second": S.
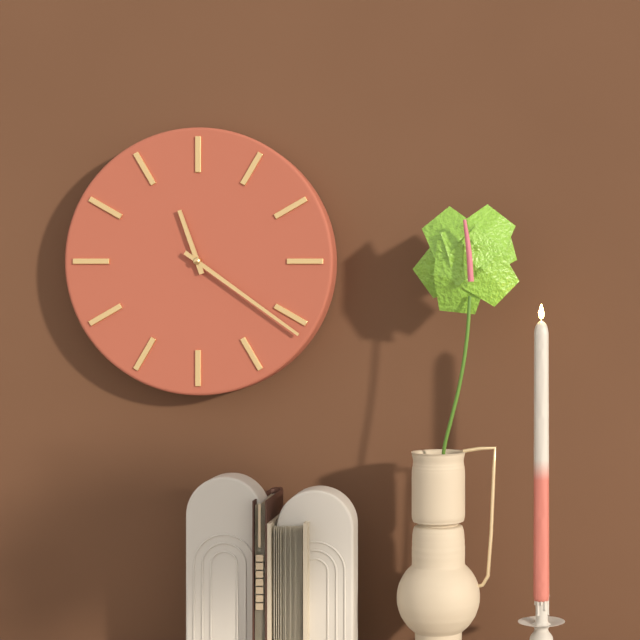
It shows {"hour": 11, "minute": 21}
